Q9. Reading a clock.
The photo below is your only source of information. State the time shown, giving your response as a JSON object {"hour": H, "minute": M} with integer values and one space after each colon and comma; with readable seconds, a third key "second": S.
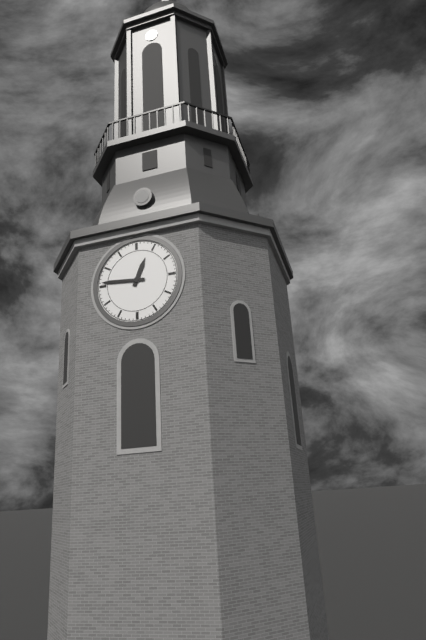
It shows {"hour": 12, "minute": 46}
